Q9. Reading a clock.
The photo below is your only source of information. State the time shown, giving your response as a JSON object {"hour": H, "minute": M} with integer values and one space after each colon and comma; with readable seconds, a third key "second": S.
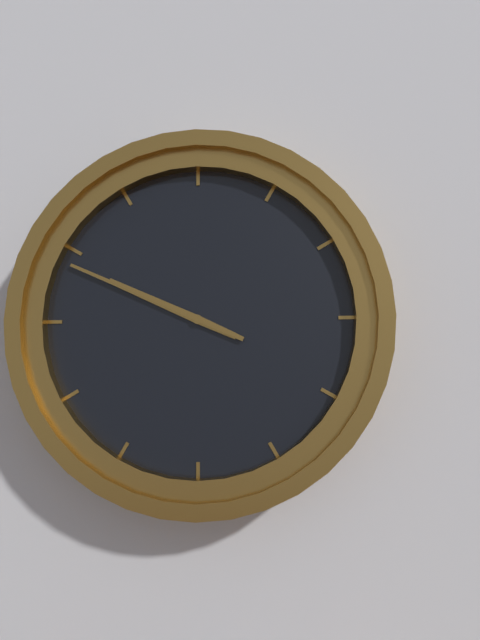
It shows {"hour": 9, "minute": 49}
